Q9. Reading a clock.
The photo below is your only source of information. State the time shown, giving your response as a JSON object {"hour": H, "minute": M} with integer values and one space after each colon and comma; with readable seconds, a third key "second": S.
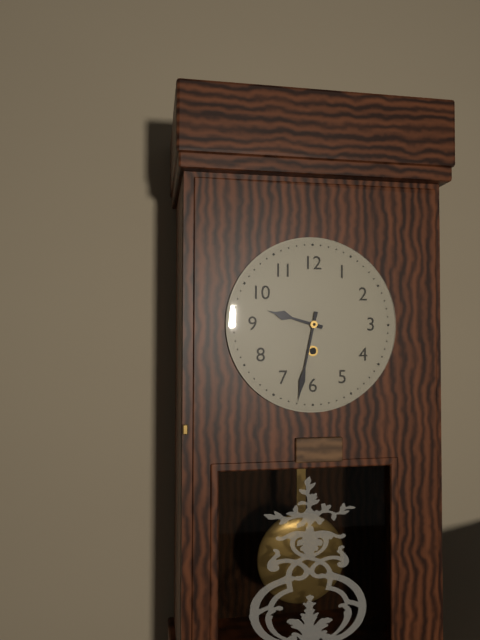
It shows {"hour": 9, "minute": 32}
